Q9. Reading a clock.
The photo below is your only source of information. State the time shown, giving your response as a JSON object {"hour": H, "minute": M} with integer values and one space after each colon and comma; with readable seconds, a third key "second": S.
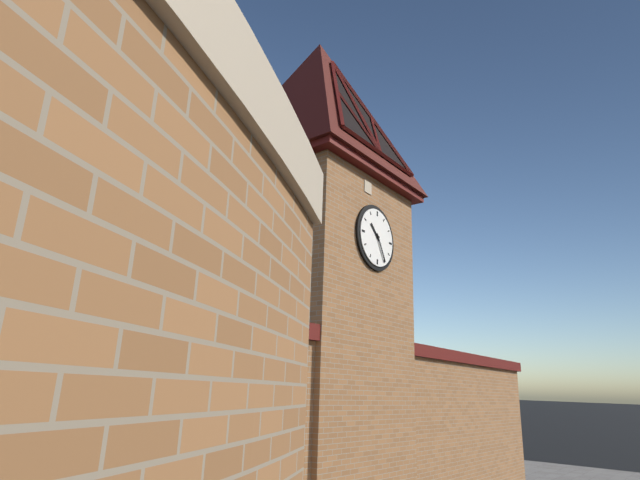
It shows {"hour": 10, "minute": 25}
